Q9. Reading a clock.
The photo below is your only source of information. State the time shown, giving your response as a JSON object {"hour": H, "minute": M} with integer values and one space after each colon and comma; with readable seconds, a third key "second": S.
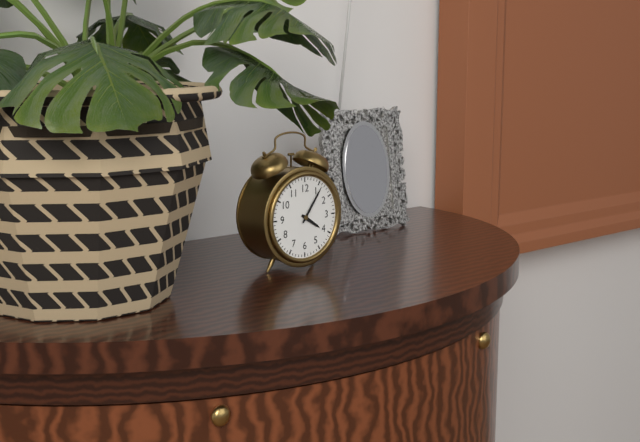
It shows {"hour": 4, "minute": 6}
